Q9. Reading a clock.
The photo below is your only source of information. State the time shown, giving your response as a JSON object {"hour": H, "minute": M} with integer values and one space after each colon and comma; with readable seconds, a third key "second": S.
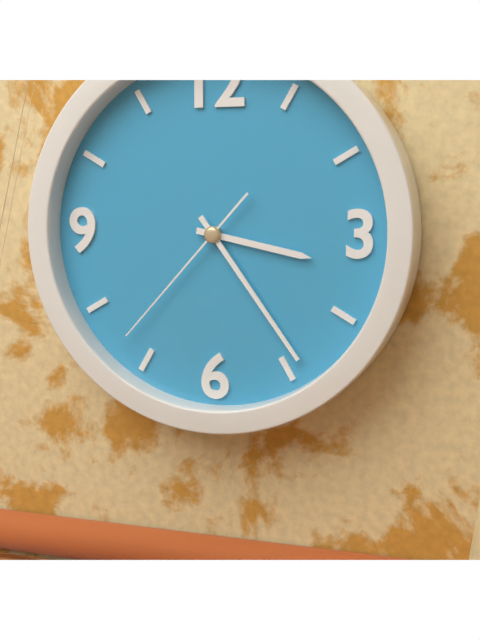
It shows {"hour": 3, "minute": 24, "second": 37}
